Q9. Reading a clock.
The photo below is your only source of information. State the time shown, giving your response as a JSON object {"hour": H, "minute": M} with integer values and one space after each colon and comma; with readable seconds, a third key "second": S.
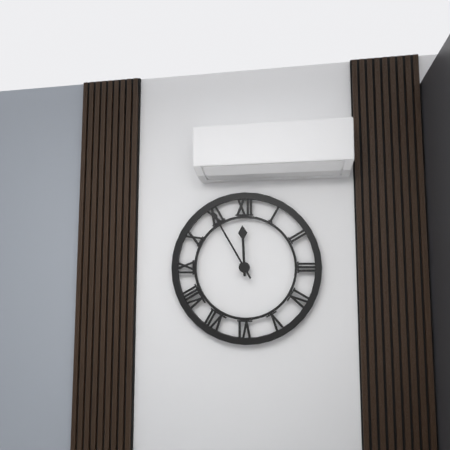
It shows {"hour": 11, "minute": 55}
